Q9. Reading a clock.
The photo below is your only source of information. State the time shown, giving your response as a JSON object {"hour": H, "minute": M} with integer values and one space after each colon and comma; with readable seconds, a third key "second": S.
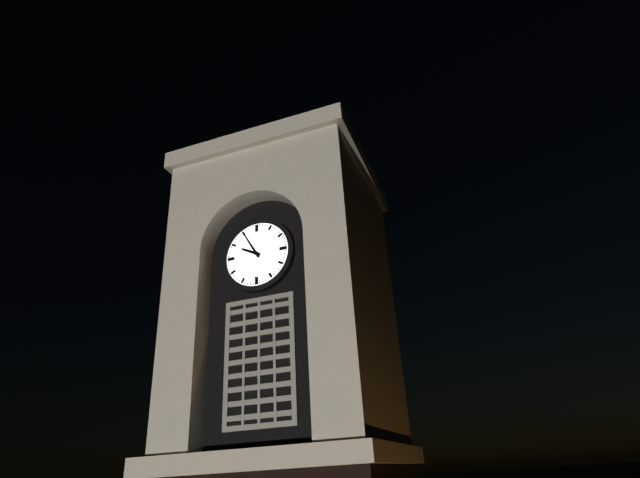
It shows {"hour": 9, "minute": 55}
